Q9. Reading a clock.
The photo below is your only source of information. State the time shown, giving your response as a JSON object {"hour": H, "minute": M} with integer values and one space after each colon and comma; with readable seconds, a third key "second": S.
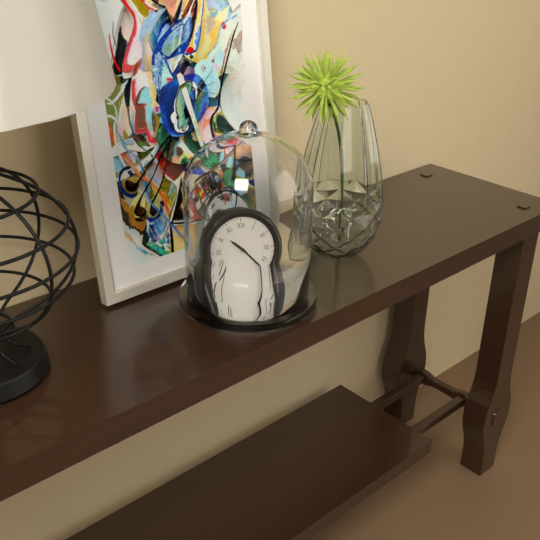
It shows {"hour": 10, "minute": 23}
